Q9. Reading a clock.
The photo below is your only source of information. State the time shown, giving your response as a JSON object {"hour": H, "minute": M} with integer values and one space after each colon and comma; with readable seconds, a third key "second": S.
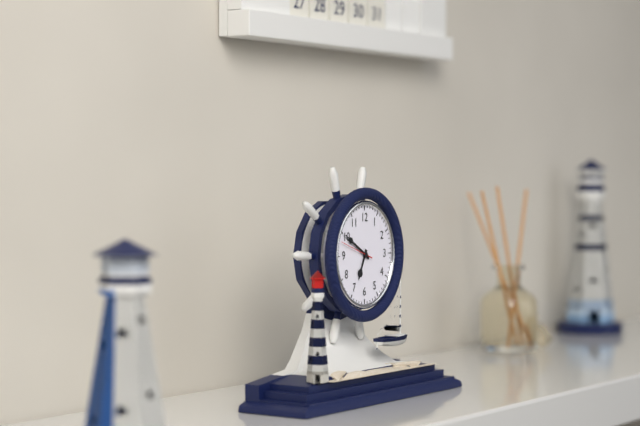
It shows {"hour": 6, "minute": 50}
